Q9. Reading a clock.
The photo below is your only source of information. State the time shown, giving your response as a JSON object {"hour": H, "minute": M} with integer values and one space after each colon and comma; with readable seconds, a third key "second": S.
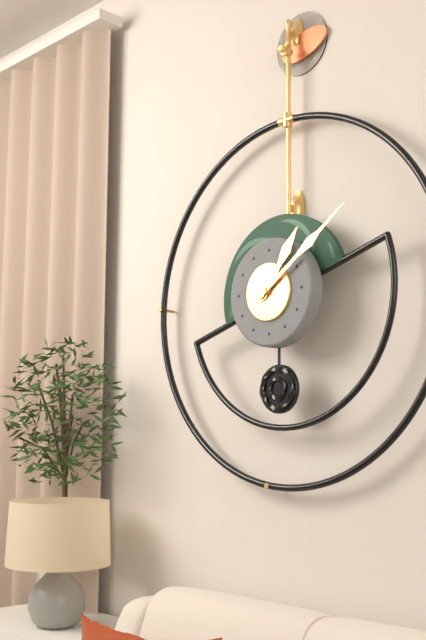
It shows {"hour": 1, "minute": 9}
